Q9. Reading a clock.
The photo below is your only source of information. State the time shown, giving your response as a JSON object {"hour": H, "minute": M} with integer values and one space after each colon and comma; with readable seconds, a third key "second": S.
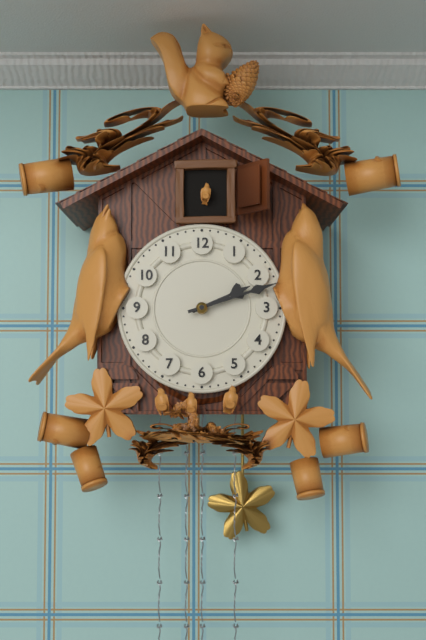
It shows {"hour": 2, "minute": 12}
